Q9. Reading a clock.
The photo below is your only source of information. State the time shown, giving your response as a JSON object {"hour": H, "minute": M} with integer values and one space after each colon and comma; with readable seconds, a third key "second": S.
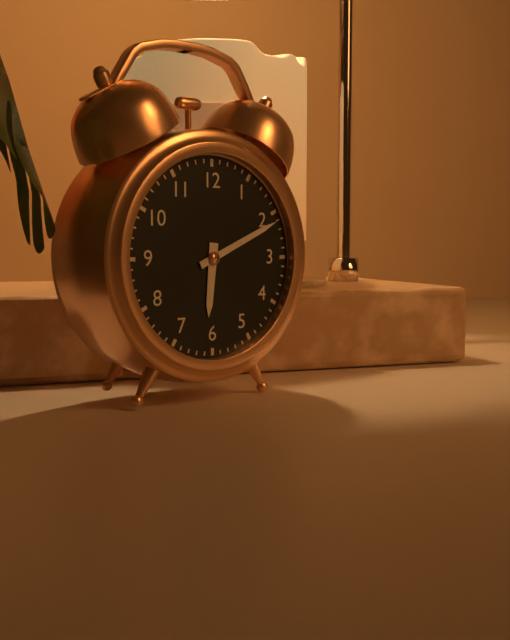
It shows {"hour": 6, "minute": 11}
